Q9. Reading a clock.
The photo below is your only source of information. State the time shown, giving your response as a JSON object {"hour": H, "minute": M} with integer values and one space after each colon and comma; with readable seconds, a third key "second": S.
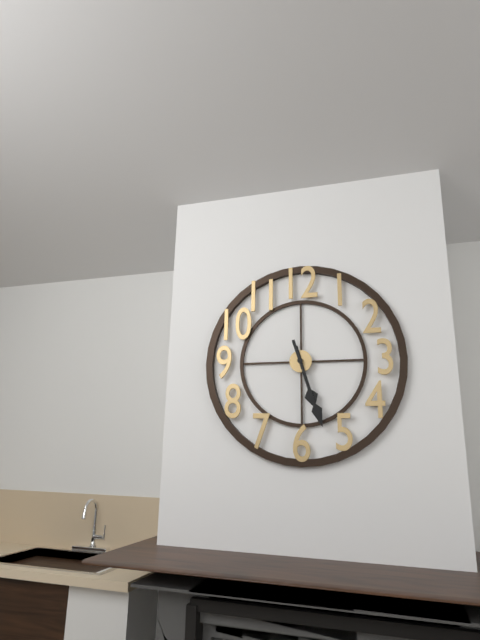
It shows {"hour": 5, "minute": 27}
